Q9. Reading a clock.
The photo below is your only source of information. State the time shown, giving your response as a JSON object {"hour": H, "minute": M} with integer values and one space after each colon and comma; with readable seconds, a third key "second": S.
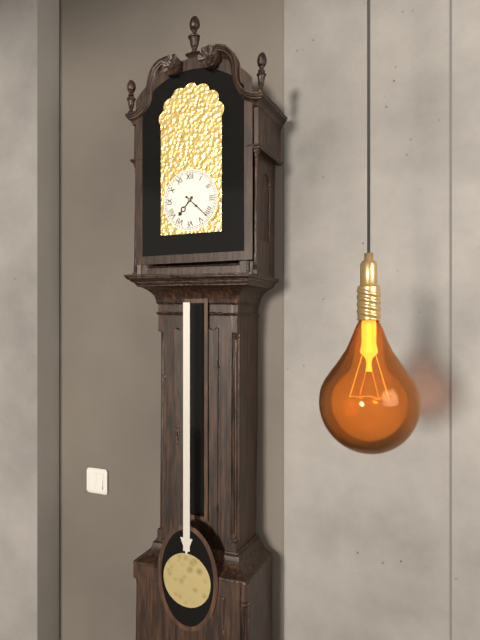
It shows {"hour": 7, "minute": 22}
